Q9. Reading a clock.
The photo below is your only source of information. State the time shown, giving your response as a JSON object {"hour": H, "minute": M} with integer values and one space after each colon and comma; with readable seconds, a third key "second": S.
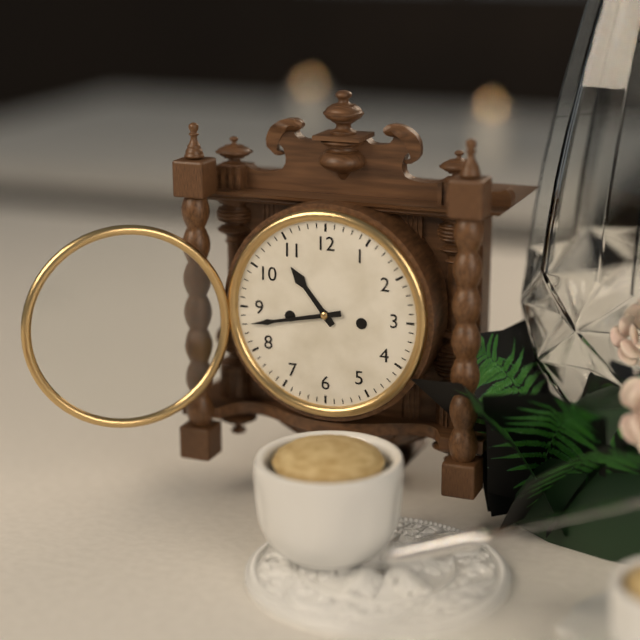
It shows {"hour": 10, "minute": 43}
